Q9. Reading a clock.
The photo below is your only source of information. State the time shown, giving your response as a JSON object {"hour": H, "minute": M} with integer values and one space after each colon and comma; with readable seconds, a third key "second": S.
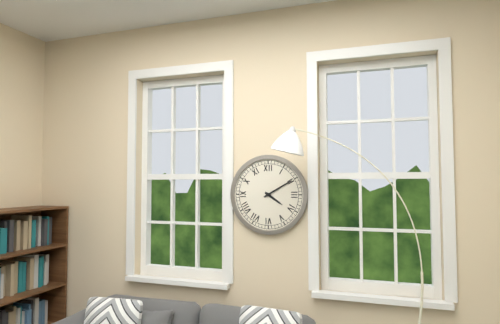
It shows {"hour": 4, "minute": 10}
